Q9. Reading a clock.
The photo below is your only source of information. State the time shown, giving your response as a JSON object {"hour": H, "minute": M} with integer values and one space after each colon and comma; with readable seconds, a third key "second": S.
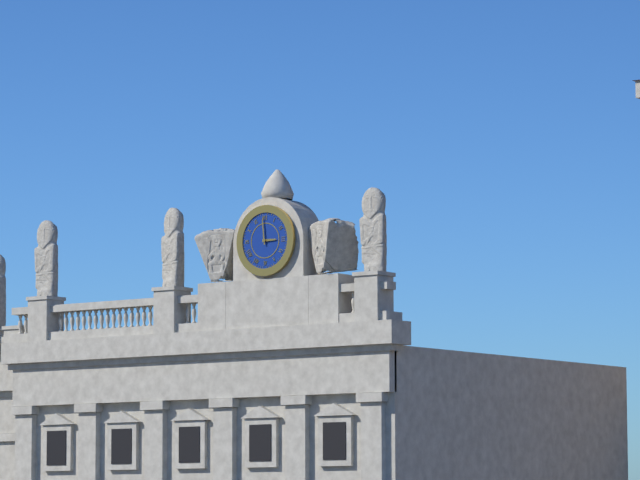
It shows {"hour": 2, "minute": 59}
